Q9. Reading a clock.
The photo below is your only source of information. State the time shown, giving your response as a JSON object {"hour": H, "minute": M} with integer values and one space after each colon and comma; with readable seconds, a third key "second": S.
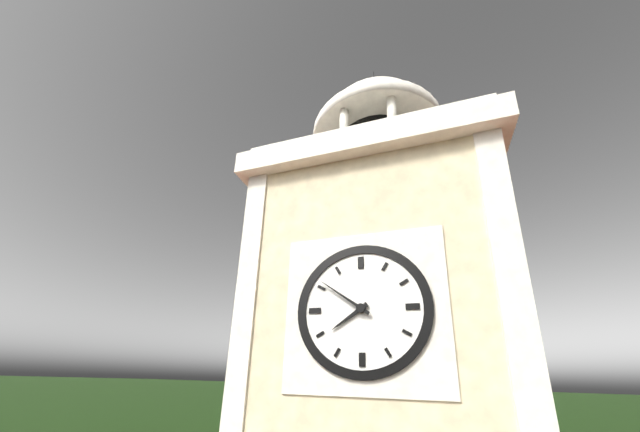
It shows {"hour": 7, "minute": 51}
